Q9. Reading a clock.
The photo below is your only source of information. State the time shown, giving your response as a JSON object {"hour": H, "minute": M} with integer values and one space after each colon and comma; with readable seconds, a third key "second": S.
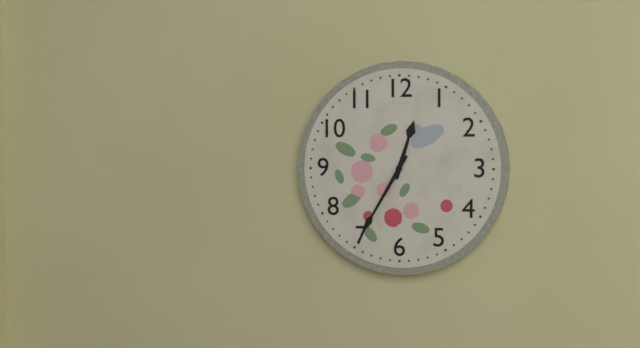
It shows {"hour": 12, "minute": 35}
